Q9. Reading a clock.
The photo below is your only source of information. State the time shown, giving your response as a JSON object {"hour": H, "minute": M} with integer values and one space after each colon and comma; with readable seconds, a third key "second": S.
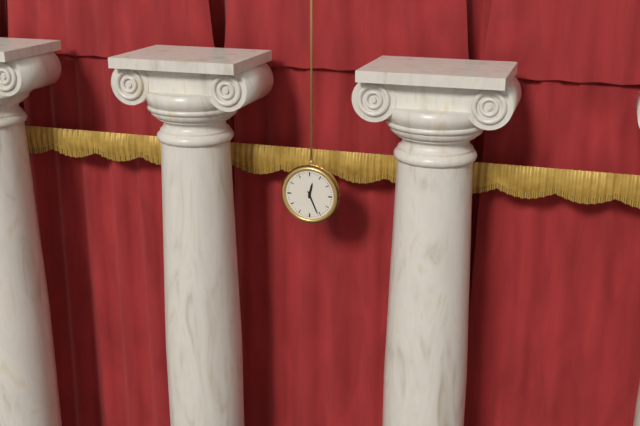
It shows {"hour": 12, "minute": 26}
